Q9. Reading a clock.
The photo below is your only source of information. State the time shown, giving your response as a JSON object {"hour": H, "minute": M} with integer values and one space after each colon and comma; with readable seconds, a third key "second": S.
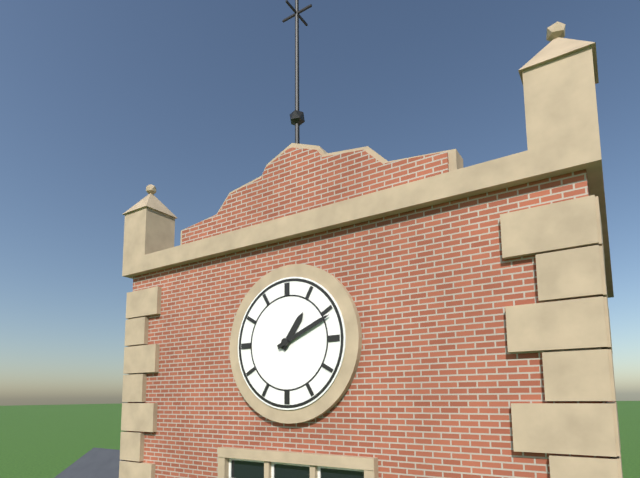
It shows {"hour": 1, "minute": 11}
